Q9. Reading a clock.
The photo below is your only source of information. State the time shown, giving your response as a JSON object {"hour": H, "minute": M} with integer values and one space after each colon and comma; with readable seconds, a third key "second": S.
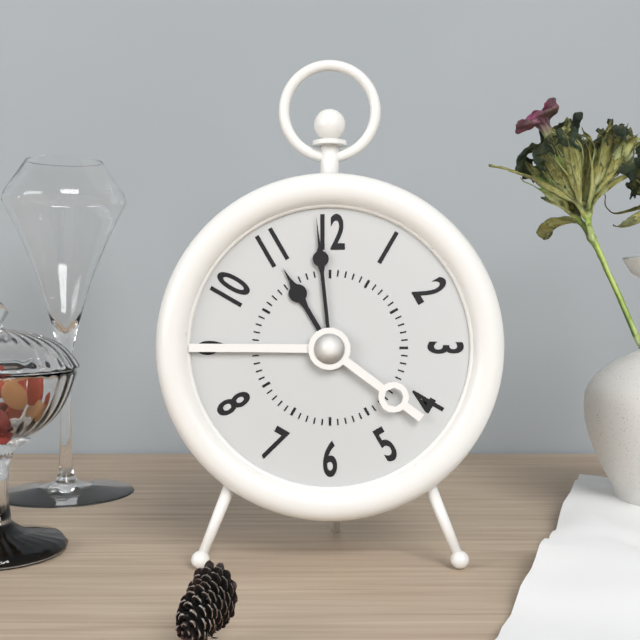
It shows {"hour": 10, "minute": 59}
